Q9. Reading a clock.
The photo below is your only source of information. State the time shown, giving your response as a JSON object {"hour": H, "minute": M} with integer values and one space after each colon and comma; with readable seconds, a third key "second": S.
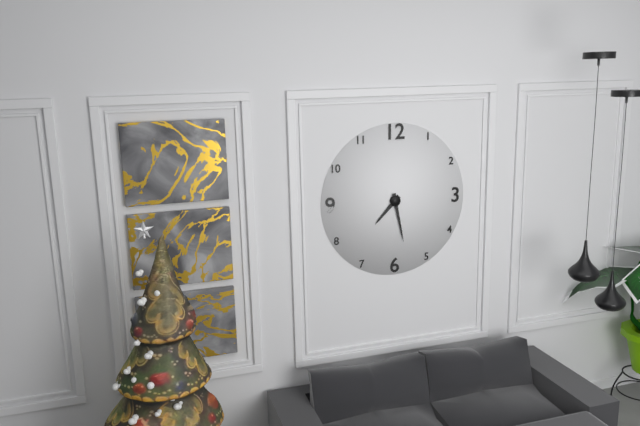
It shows {"hour": 7, "minute": 28}
